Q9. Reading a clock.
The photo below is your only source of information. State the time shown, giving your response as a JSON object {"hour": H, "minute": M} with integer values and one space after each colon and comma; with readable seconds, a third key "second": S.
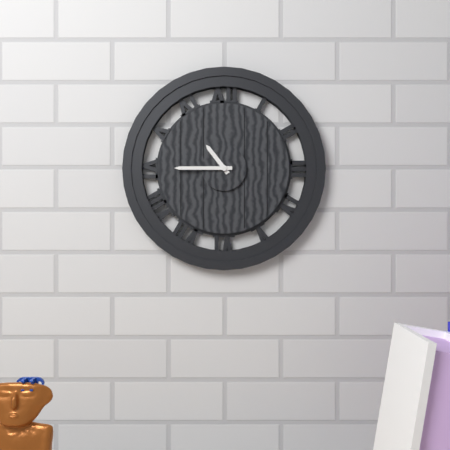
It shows {"hour": 10, "minute": 45}
